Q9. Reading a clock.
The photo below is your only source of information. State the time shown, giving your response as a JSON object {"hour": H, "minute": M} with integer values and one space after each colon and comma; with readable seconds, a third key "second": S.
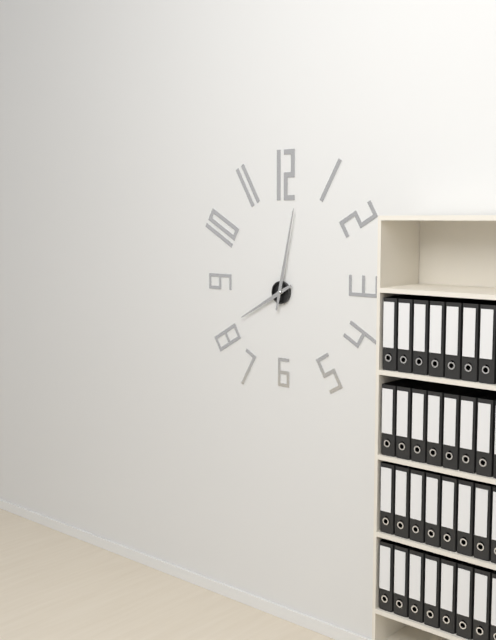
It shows {"hour": 8, "minute": 2}
